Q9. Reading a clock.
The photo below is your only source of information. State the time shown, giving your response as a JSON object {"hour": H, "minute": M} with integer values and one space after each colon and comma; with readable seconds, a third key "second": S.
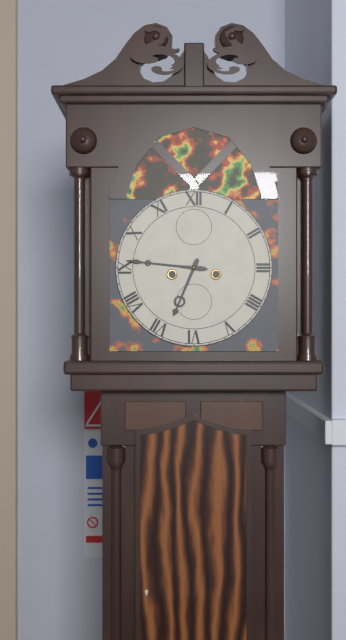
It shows {"hour": 6, "minute": 46}
